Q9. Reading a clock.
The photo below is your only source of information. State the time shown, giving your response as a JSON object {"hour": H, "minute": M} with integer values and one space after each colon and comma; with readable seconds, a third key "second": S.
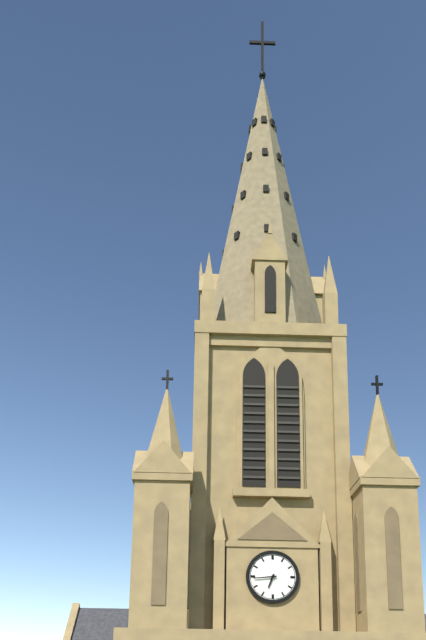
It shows {"hour": 6, "minute": 44}
